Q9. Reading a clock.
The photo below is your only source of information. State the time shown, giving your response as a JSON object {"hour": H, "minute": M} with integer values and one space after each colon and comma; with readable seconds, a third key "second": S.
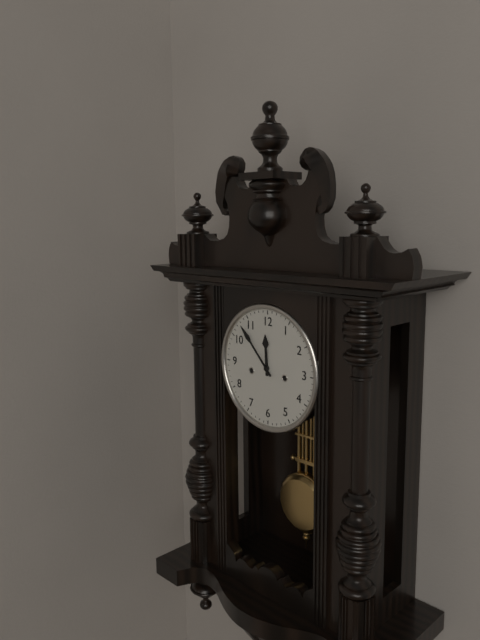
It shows {"hour": 11, "minute": 53}
